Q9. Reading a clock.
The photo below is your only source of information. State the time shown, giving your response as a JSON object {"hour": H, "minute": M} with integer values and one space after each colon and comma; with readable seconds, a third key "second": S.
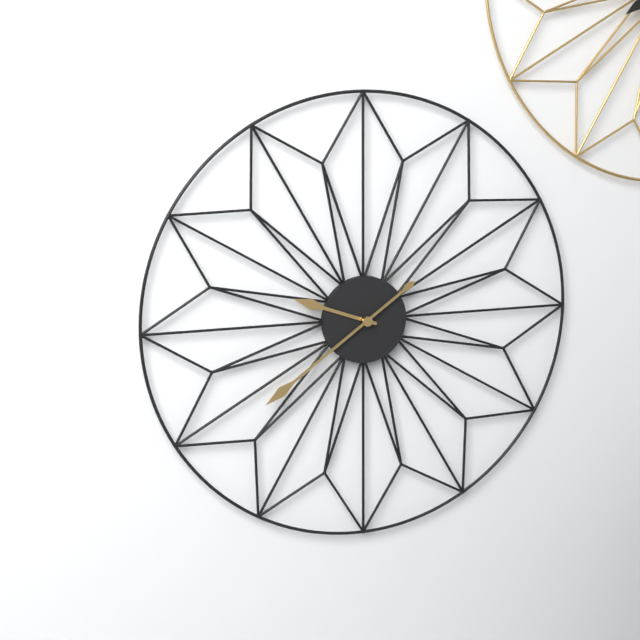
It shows {"hour": 9, "minute": 39}
